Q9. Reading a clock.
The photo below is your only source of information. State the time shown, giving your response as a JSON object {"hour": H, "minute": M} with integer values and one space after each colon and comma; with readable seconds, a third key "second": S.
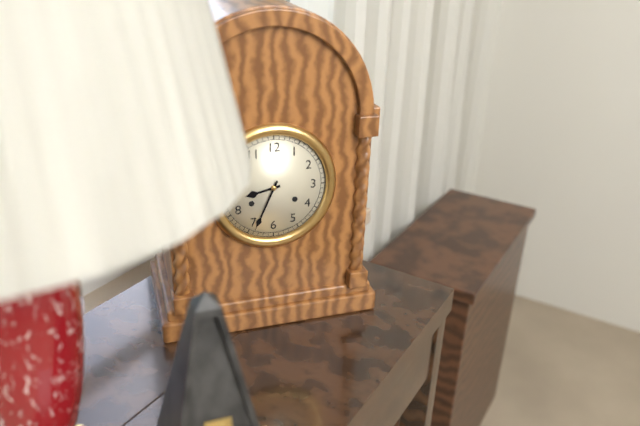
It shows {"hour": 8, "minute": 34}
